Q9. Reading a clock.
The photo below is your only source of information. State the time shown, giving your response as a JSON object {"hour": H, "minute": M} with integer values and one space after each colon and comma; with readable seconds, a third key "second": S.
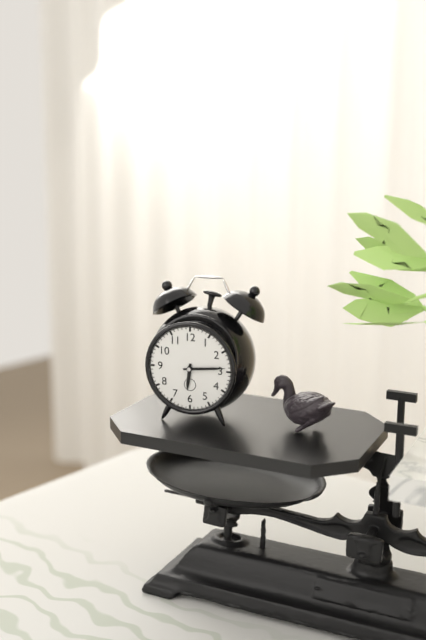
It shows {"hour": 6, "minute": 14}
